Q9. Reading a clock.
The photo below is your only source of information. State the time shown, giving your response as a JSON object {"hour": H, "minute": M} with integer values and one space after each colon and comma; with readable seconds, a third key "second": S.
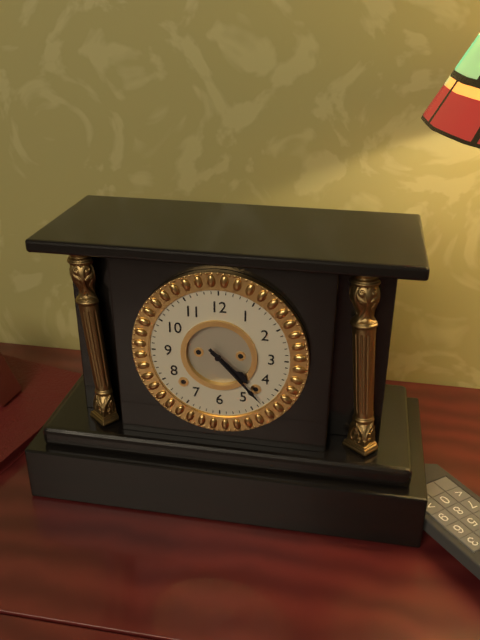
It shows {"hour": 4, "minute": 23}
